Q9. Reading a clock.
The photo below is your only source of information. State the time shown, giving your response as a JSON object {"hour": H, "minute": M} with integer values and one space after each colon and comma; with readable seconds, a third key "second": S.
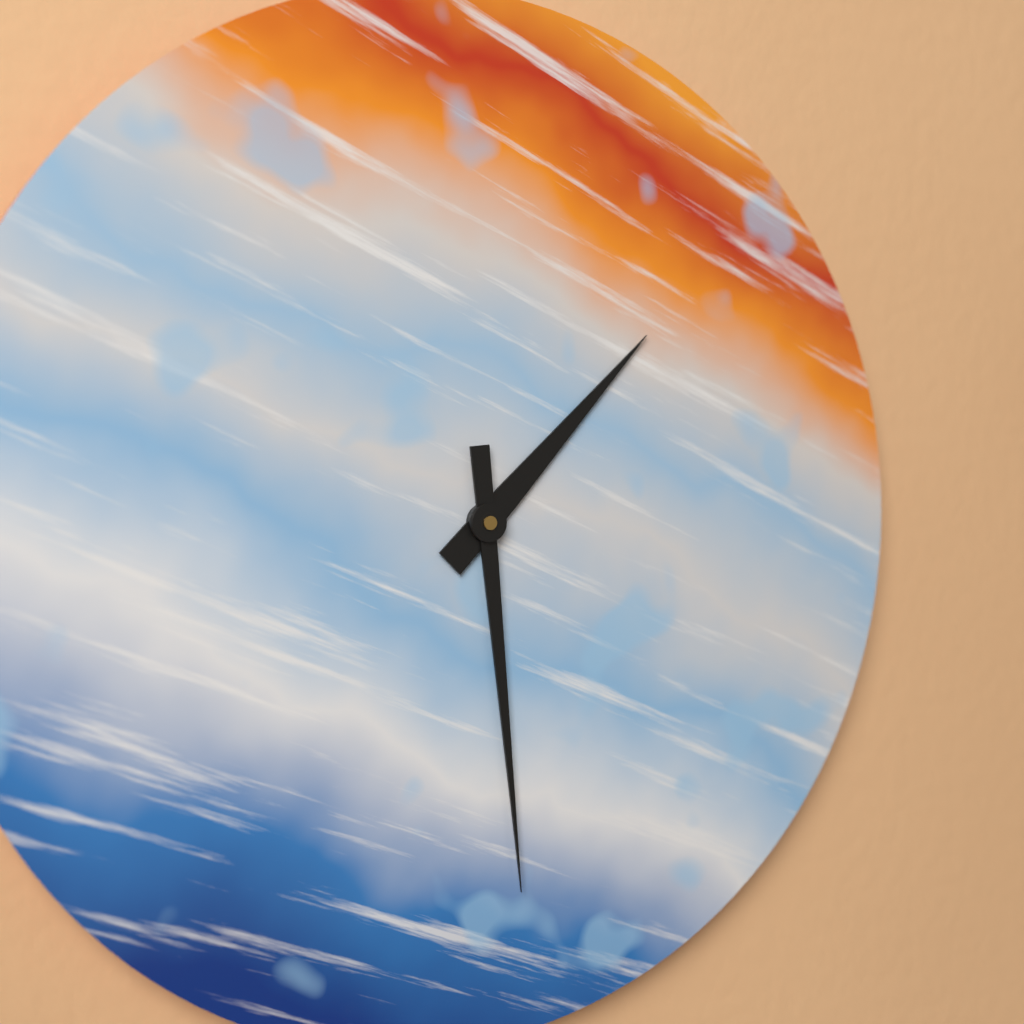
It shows {"hour": 1, "minute": 29}
